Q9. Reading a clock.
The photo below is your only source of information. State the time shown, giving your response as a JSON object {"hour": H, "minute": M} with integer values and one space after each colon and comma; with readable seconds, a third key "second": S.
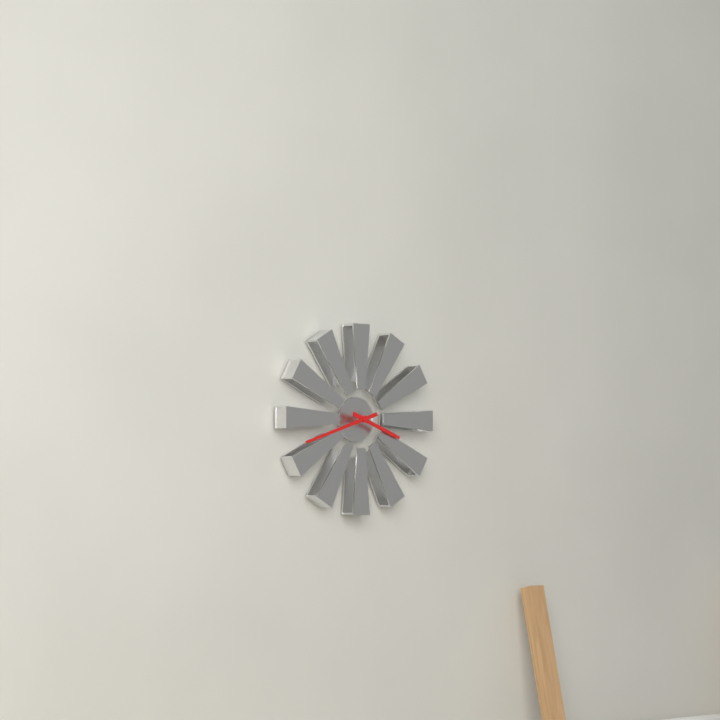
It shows {"hour": 3, "minute": 42}
